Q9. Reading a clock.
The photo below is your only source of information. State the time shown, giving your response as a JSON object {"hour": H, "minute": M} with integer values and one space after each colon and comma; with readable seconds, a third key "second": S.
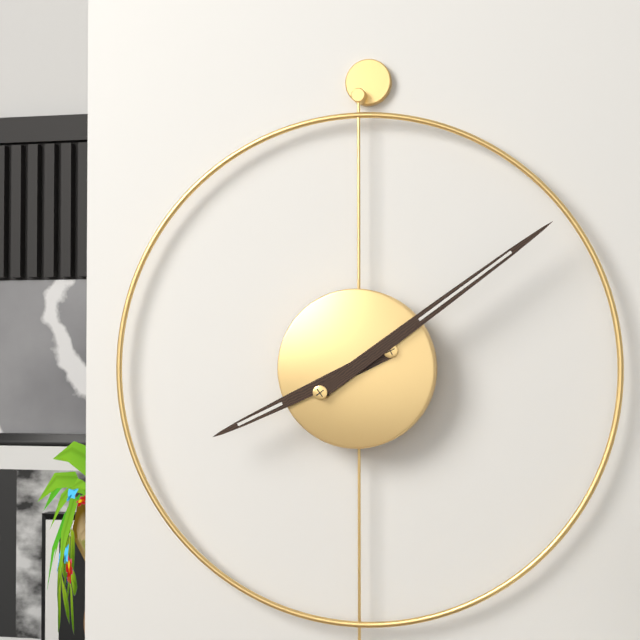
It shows {"hour": 8, "minute": 9}
